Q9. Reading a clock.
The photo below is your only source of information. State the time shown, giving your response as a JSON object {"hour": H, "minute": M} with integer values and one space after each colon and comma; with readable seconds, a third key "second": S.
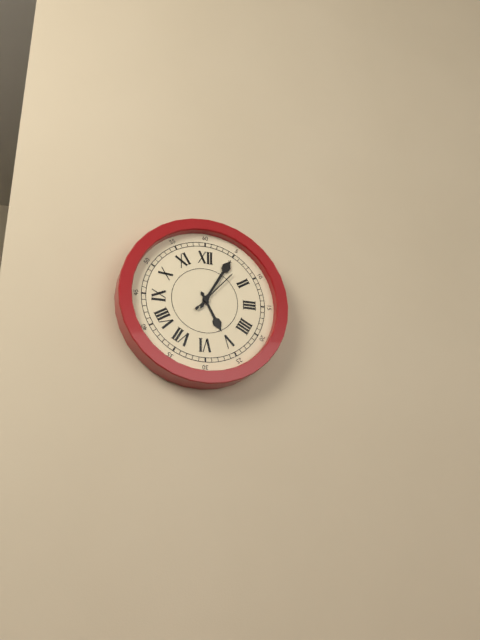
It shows {"hour": 5, "minute": 5}
